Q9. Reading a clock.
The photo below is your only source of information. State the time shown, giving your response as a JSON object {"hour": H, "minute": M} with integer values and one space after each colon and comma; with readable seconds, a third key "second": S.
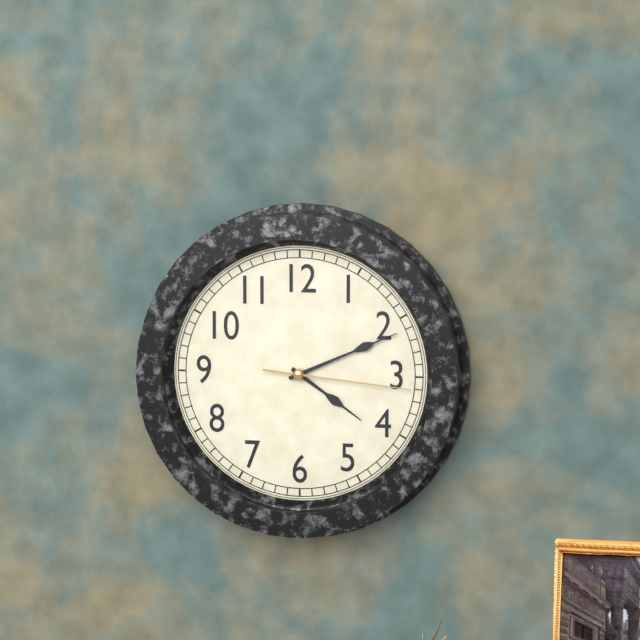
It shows {"hour": 4, "minute": 11, "second": 16}
